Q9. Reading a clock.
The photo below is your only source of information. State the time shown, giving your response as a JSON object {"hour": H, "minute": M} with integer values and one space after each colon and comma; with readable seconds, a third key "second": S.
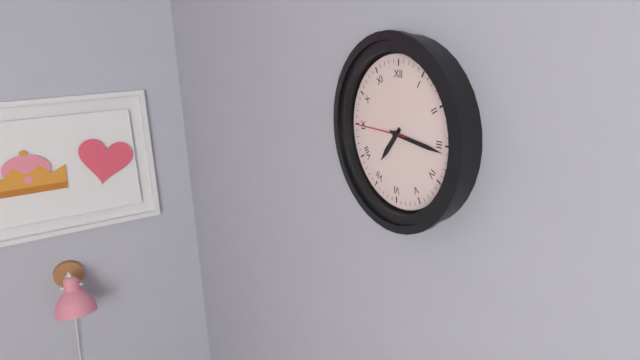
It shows {"hour": 7, "minute": 16, "second": 45}
